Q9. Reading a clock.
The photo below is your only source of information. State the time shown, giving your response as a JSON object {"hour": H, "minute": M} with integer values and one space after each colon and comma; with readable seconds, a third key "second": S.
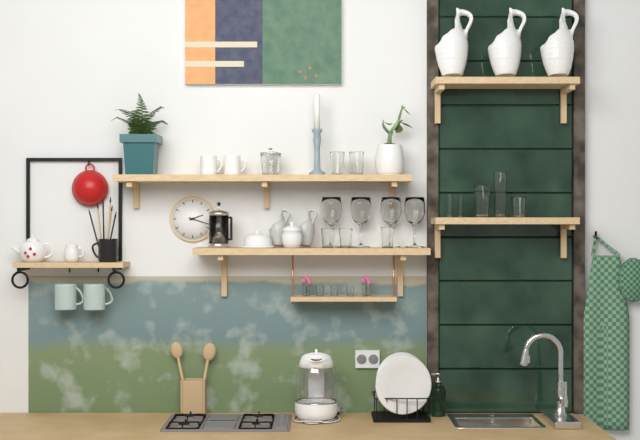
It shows {"hour": 2, "minute": 18}
